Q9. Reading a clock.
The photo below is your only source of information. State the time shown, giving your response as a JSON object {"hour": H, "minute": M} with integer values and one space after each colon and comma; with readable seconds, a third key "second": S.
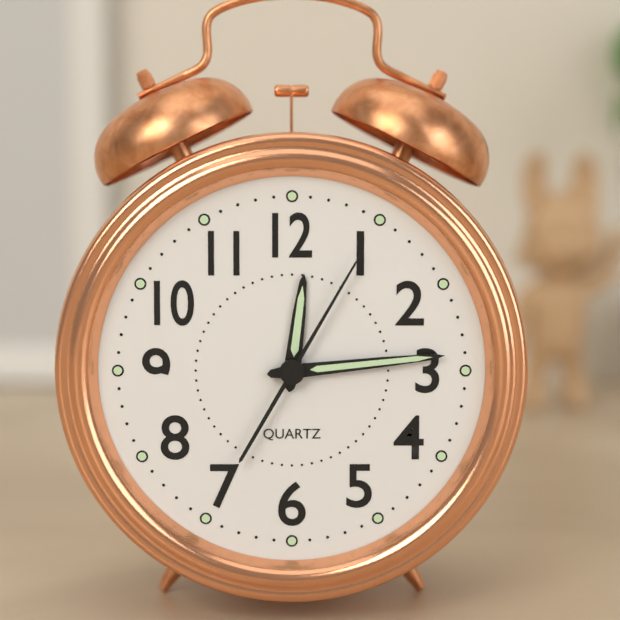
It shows {"hour": 12, "minute": 14, "second": 5}
